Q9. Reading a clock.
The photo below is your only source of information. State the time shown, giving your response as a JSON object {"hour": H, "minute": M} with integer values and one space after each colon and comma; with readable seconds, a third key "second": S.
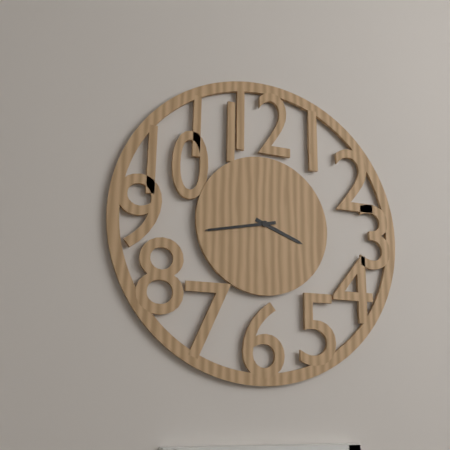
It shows {"hour": 3, "minute": 43}
